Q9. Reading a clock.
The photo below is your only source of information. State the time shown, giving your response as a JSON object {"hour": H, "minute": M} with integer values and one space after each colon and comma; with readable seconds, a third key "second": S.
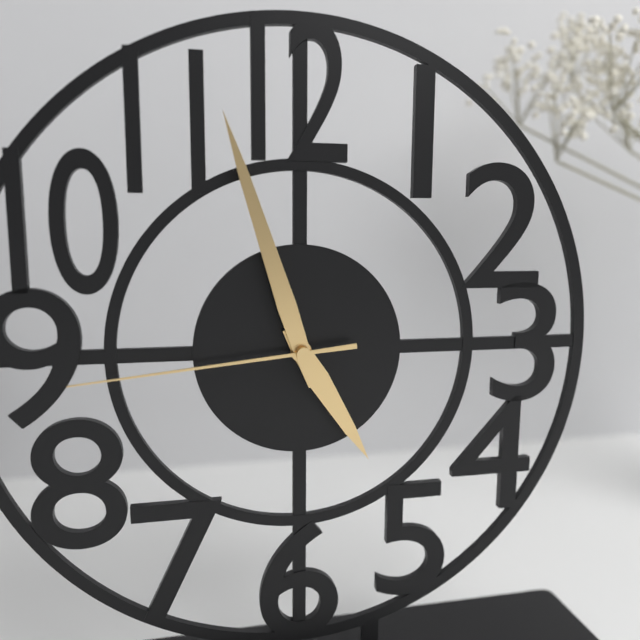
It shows {"hour": 4, "minute": 57, "second": 44}
